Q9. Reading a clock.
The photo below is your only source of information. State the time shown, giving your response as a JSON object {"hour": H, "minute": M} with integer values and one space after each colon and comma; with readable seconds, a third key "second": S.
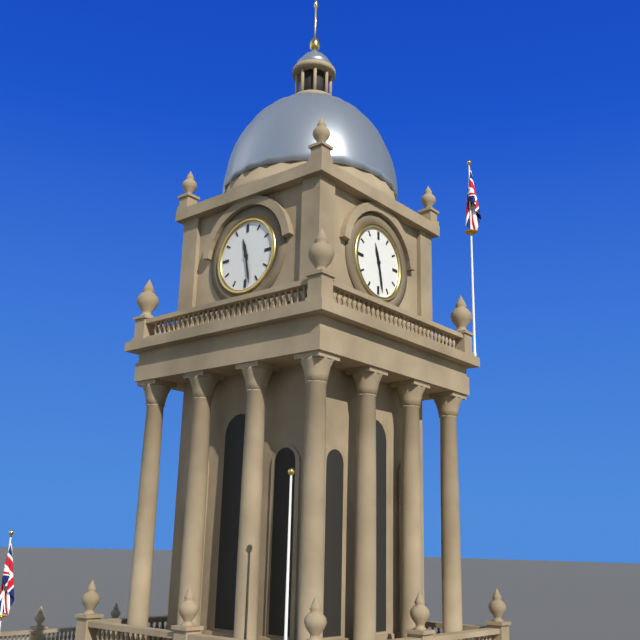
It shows {"hour": 11, "minute": 28}
